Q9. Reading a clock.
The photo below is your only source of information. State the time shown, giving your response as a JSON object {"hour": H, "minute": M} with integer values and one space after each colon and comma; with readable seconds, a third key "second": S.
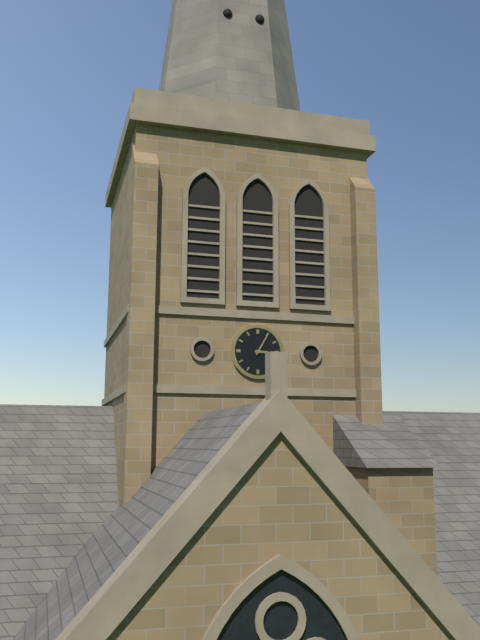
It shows {"hour": 3, "minute": 5}
